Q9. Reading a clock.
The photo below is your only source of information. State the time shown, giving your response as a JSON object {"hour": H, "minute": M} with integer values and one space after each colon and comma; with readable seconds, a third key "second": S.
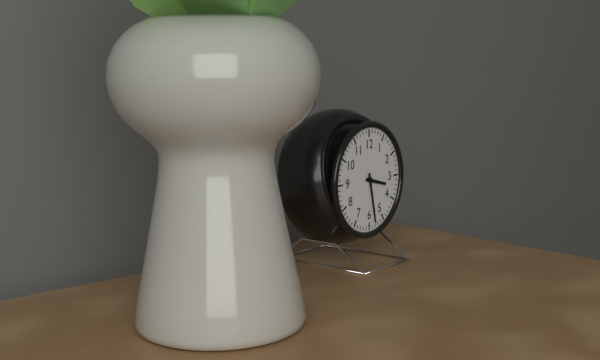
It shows {"hour": 3, "minute": 28}
